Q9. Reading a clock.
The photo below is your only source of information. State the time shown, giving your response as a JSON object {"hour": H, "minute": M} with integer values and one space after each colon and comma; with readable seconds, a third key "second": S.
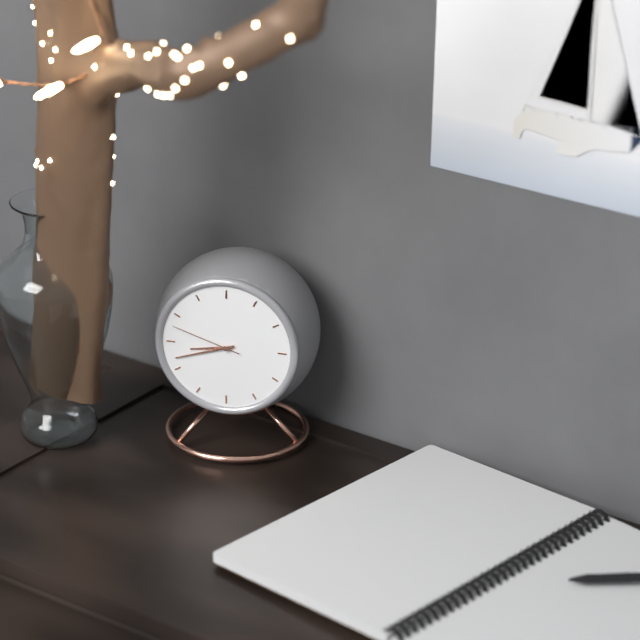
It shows {"hour": 8, "minute": 42, "second": 48}
